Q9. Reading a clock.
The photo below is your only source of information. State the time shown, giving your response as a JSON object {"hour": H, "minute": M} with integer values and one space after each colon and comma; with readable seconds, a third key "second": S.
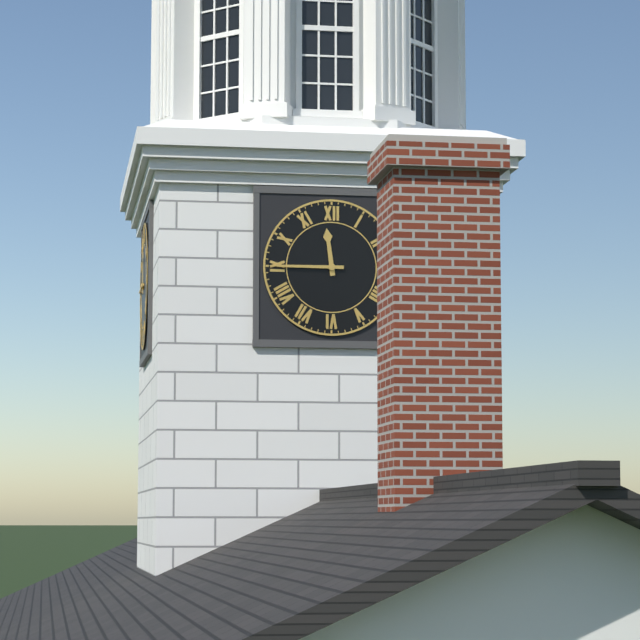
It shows {"hour": 11, "minute": 45}
